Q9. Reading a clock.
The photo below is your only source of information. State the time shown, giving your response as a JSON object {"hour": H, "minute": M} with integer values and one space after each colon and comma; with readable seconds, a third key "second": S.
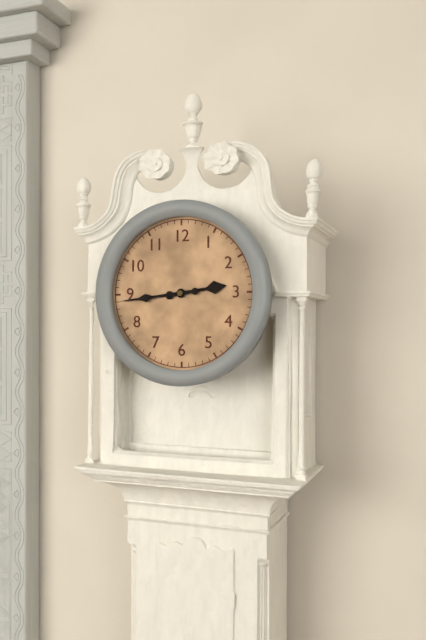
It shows {"hour": 2, "minute": 44}
